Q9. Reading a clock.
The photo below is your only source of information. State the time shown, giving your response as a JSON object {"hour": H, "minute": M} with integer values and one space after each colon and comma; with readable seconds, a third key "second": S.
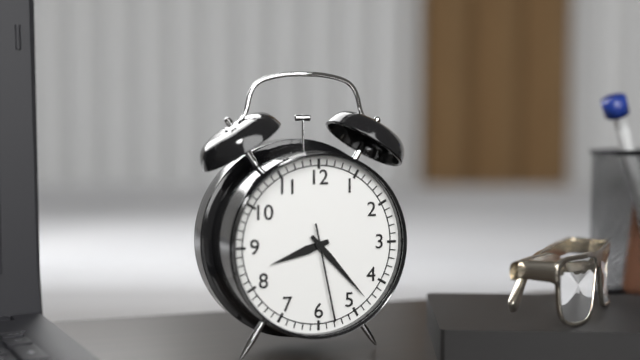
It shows {"hour": 8, "minute": 23, "second": 28}
